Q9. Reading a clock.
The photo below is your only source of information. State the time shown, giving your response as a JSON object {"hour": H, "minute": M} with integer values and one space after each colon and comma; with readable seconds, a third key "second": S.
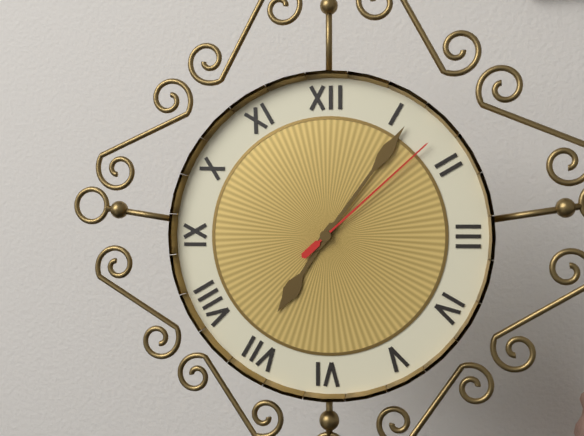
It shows {"hour": 7, "minute": 6, "second": 8}
